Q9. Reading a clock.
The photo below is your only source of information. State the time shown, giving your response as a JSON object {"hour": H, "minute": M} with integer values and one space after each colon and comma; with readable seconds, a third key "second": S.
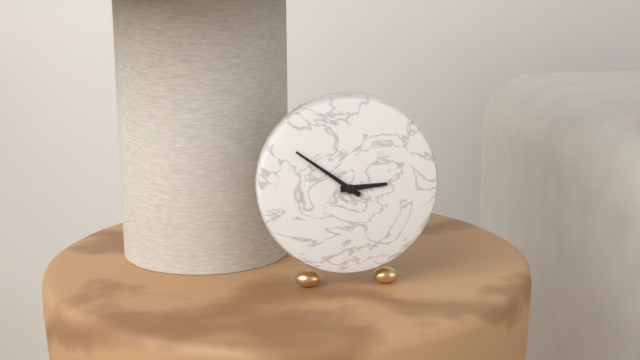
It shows {"hour": 2, "minute": 51}
